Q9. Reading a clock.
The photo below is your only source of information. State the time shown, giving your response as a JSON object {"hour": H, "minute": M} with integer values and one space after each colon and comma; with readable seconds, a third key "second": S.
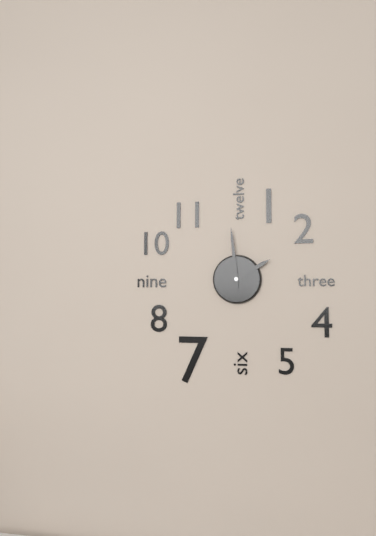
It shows {"hour": 1, "minute": 59}
